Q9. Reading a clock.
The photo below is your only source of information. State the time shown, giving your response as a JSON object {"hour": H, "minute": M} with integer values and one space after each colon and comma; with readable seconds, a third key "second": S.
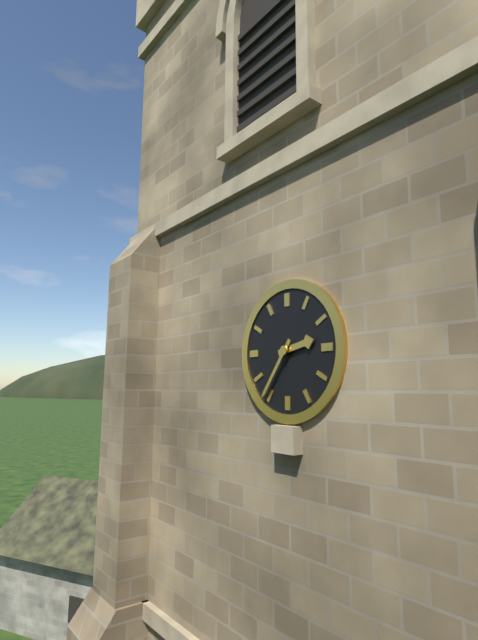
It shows {"hour": 2, "minute": 36}
